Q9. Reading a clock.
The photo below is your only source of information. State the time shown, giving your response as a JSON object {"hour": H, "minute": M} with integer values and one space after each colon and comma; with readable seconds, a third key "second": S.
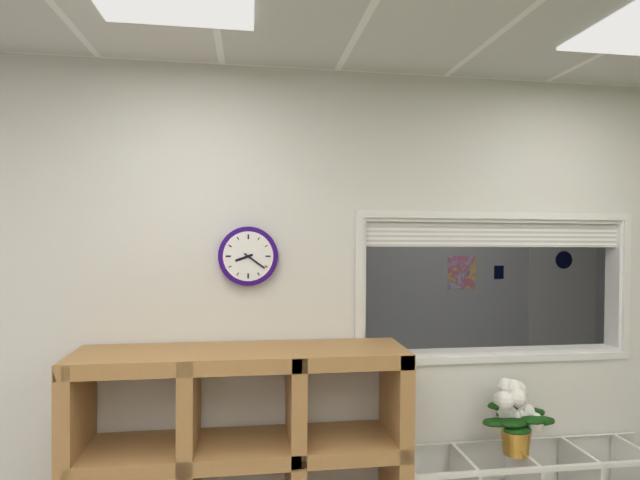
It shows {"hour": 8, "minute": 21}
